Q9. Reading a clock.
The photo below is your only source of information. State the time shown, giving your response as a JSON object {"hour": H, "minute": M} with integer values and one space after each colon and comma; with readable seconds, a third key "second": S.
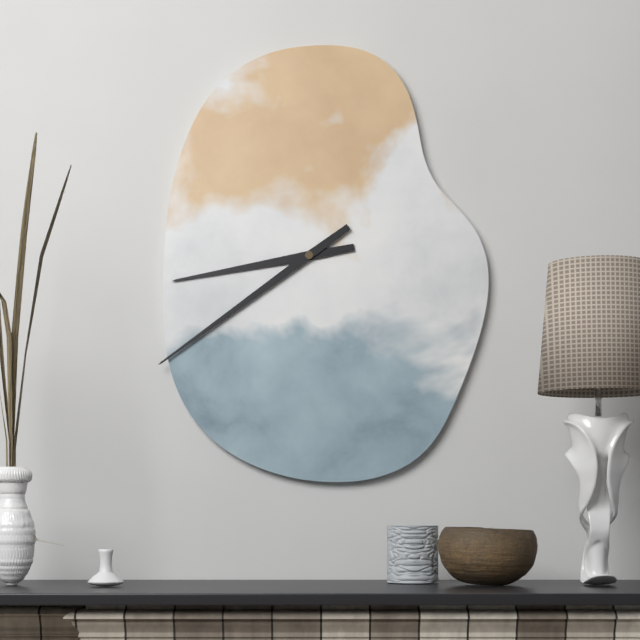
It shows {"hour": 8, "minute": 39}
